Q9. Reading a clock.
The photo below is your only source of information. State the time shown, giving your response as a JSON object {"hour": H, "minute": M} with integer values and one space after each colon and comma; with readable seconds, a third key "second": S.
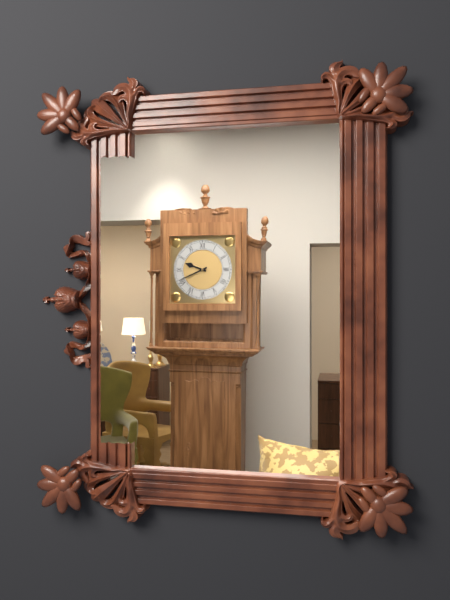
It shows {"hour": 9, "minute": 41}
